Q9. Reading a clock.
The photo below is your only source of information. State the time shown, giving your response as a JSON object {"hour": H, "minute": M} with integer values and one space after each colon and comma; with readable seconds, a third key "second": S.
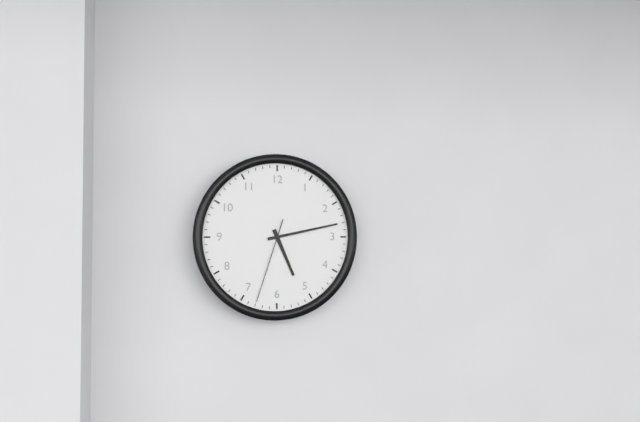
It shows {"hour": 5, "minute": 13, "second": 33}
